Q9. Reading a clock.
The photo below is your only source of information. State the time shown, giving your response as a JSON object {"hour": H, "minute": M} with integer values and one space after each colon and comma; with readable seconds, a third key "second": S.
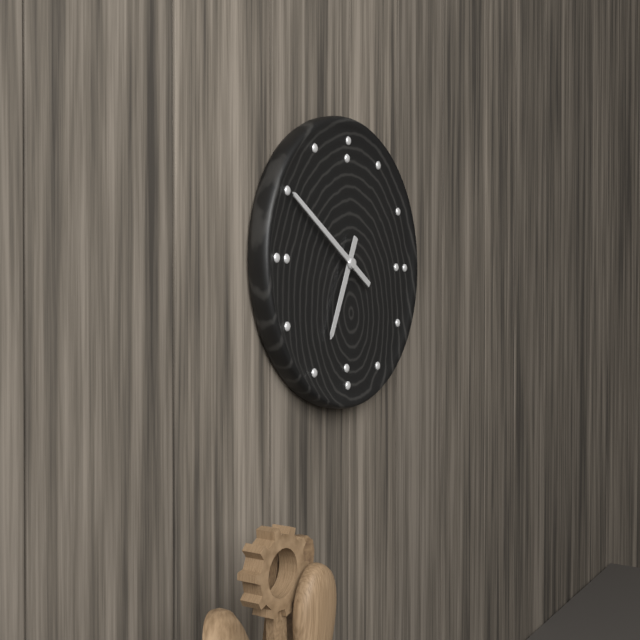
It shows {"hour": 6, "minute": 50}
